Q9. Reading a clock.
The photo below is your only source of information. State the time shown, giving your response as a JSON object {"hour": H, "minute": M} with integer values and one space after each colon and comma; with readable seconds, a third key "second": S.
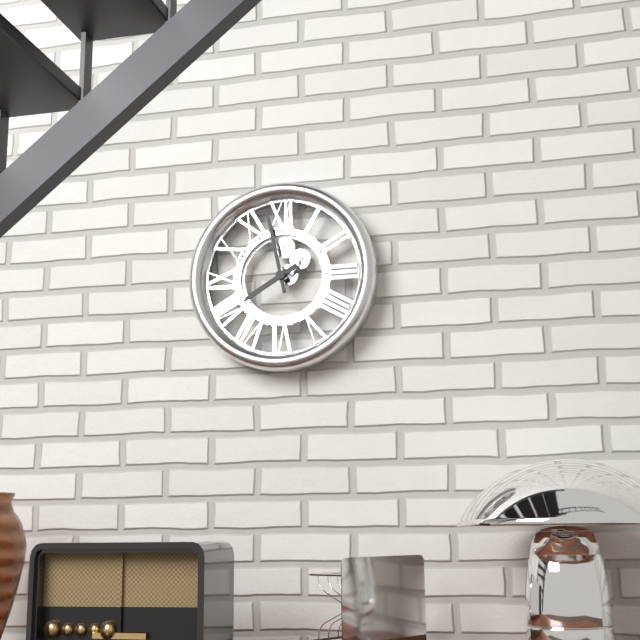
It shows {"hour": 7, "minute": 58}
